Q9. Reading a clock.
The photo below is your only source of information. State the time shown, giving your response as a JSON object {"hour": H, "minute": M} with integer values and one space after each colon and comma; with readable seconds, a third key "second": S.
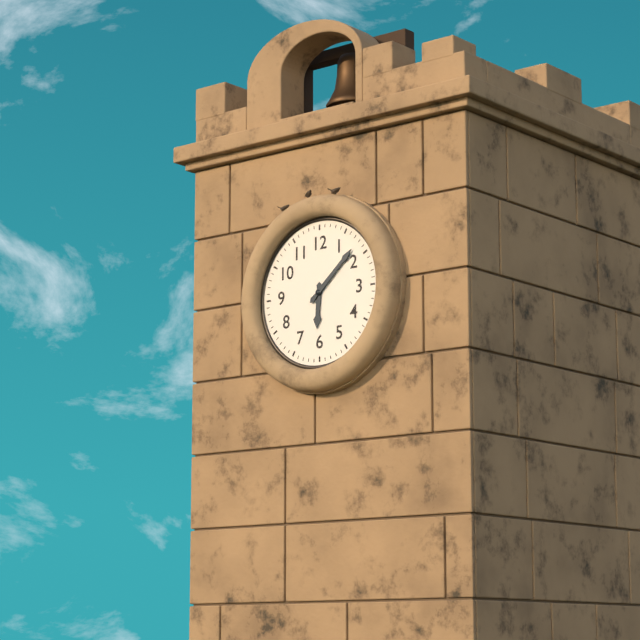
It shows {"hour": 6, "minute": 8}
